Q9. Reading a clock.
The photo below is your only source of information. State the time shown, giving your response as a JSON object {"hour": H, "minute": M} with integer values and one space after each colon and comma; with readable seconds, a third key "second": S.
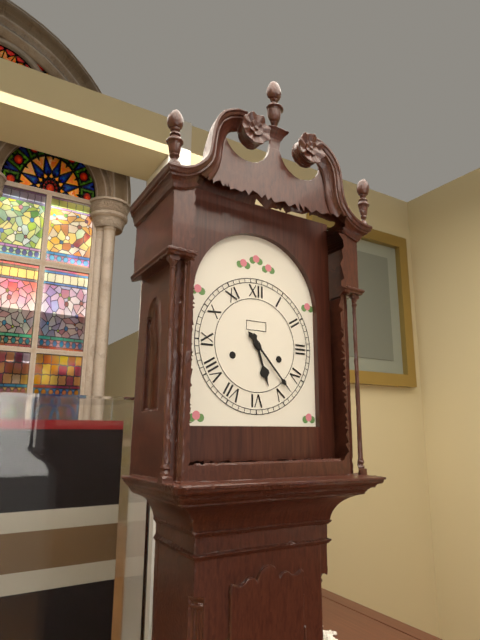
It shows {"hour": 5, "minute": 23}
